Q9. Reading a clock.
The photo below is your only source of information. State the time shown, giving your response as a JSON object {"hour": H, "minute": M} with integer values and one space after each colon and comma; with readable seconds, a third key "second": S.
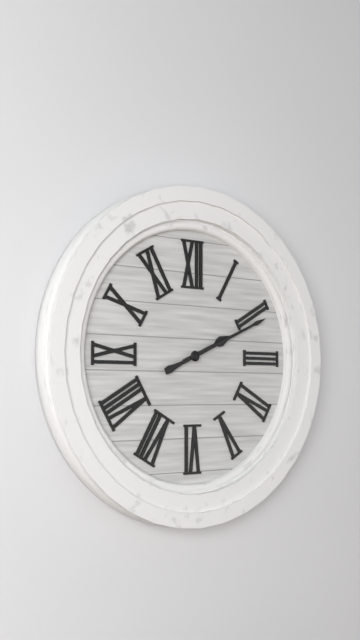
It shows {"hour": 2, "minute": 11}
